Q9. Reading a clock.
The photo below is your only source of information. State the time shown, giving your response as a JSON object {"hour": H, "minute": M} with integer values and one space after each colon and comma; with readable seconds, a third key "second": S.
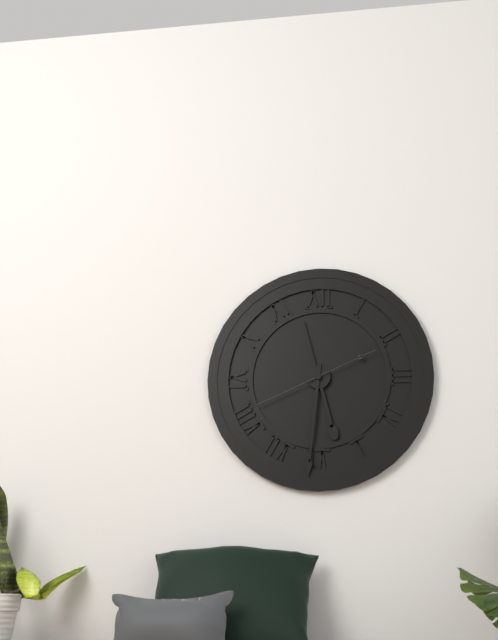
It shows {"hour": 5, "minute": 31, "second": 41}
